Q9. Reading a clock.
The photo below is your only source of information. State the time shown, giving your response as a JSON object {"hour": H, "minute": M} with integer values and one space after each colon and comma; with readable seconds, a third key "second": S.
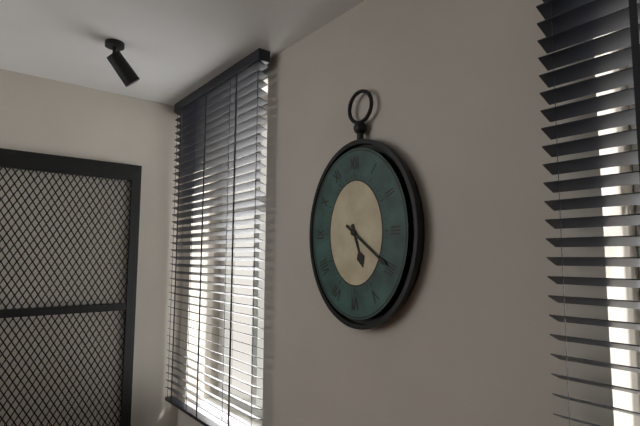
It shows {"hour": 5, "minute": 21}
